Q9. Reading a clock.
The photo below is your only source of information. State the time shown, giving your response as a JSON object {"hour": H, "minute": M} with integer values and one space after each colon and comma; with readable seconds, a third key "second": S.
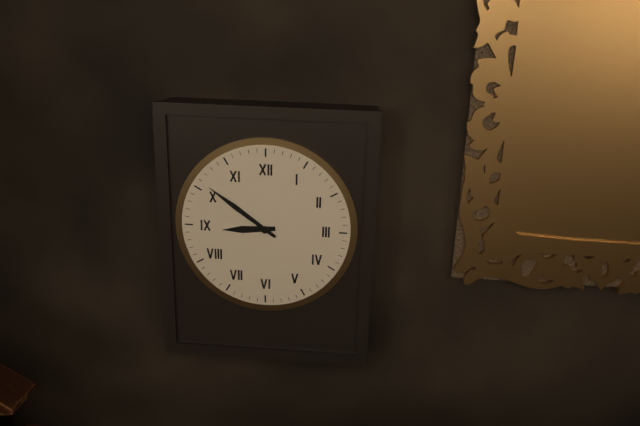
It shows {"hour": 8, "minute": 51}
